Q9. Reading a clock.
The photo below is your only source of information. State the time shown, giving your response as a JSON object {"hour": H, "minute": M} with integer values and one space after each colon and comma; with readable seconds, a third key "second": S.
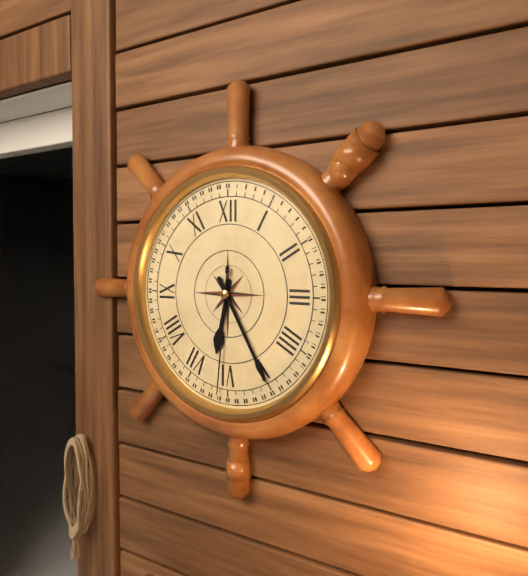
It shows {"hour": 6, "minute": 25, "second": 31}
